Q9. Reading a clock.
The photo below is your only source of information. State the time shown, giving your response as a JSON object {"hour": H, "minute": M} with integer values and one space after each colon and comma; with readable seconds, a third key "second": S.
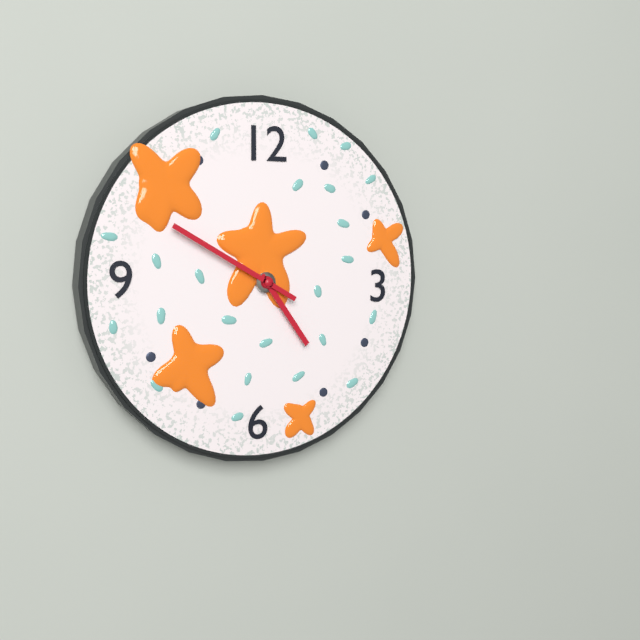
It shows {"hour": 4, "minute": 50}
